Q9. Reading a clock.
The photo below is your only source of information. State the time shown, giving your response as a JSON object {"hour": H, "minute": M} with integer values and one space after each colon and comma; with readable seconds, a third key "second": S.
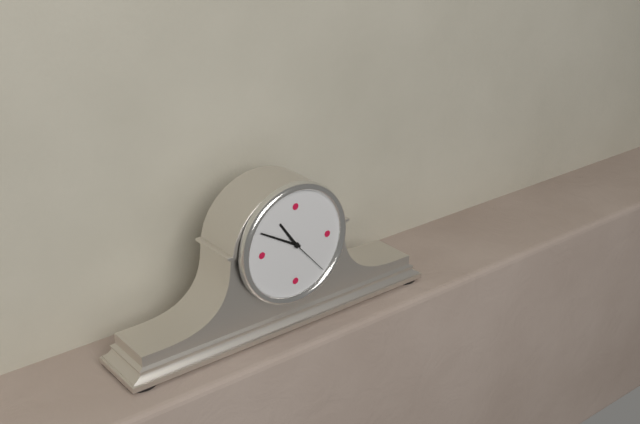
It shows {"hour": 10, "minute": 50}
